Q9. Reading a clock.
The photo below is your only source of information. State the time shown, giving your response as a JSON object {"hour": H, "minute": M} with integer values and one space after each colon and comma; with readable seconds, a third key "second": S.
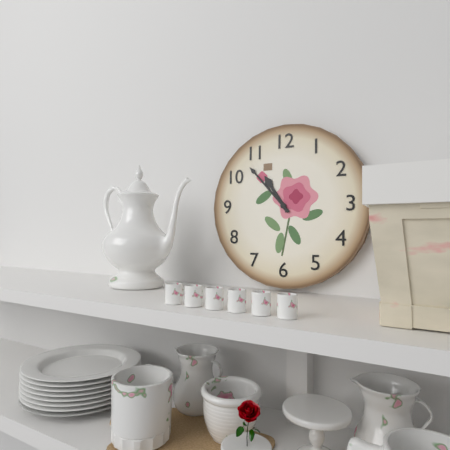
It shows {"hour": 10, "minute": 53}
